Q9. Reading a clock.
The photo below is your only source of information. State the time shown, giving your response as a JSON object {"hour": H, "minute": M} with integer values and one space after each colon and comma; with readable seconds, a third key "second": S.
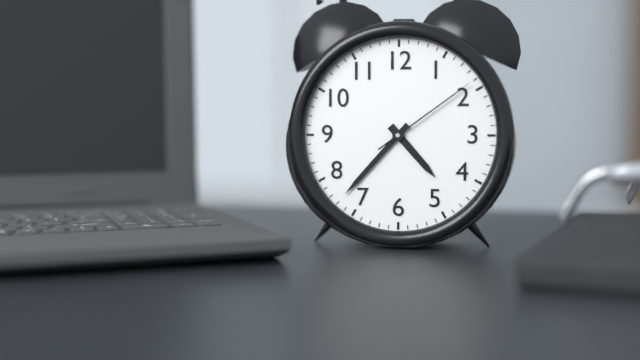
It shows {"hour": 4, "minute": 37, "second": 9}
